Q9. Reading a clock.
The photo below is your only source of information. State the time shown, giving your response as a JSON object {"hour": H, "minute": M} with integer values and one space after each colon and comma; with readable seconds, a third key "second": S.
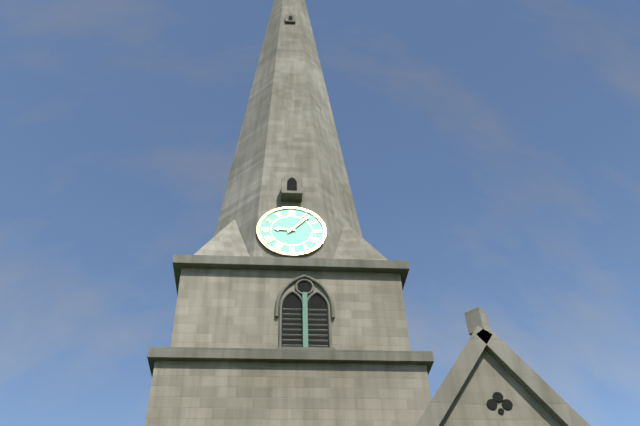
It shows {"hour": 9, "minute": 7}
